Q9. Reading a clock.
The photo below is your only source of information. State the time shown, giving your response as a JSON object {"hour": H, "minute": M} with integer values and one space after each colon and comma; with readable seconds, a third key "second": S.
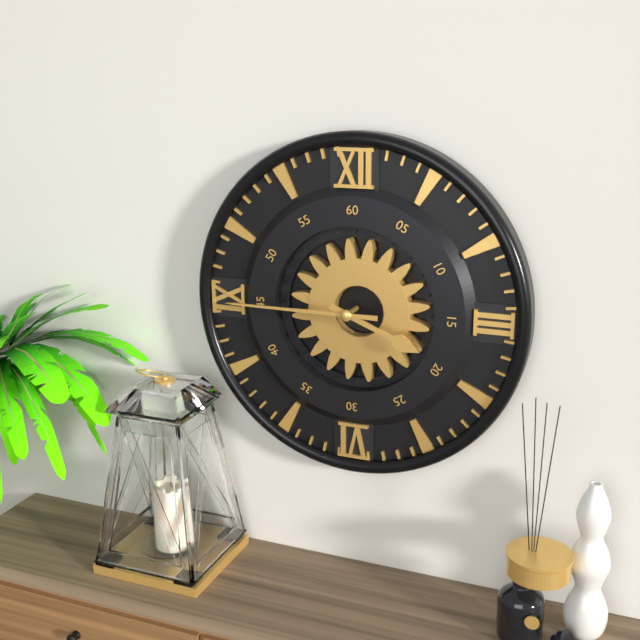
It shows {"hour": 3, "minute": 45}
